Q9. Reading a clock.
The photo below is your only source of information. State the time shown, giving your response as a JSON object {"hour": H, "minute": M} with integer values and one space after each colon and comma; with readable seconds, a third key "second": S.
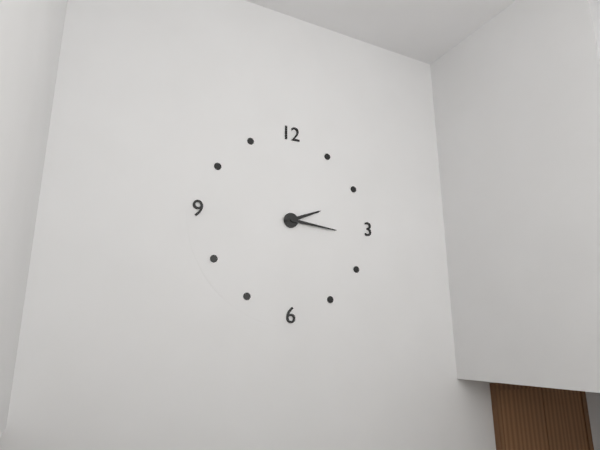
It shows {"hour": 2, "minute": 16}
